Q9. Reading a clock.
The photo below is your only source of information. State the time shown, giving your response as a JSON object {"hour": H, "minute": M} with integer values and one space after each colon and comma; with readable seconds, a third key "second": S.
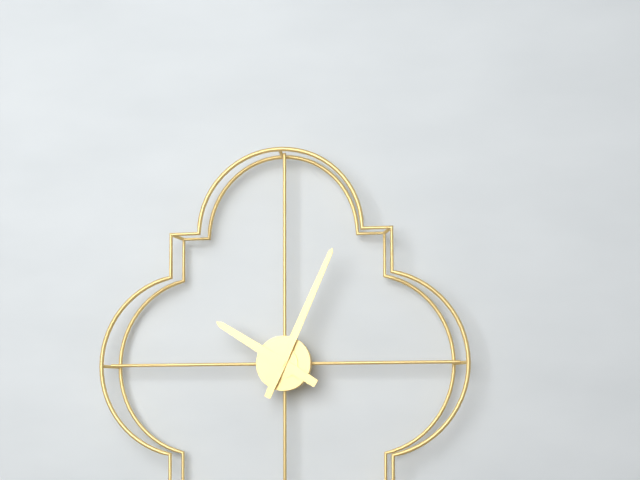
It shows {"hour": 10, "minute": 4}
